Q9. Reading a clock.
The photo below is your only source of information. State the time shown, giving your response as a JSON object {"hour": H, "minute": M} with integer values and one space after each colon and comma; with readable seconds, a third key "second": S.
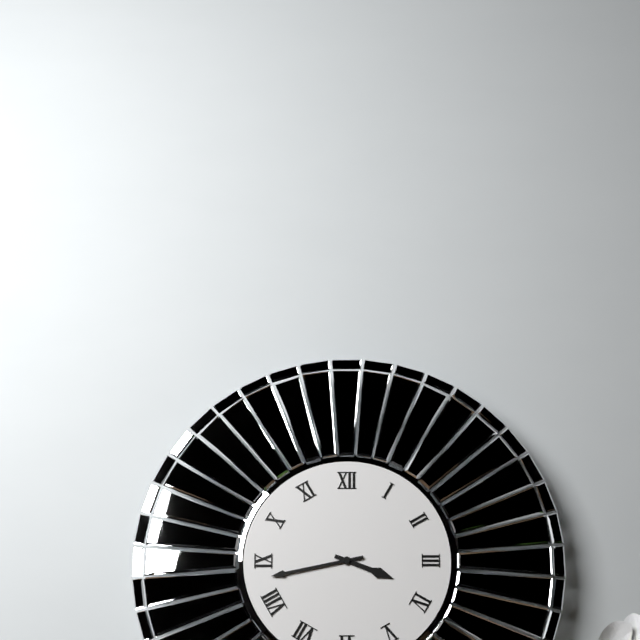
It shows {"hour": 3, "minute": 43}
